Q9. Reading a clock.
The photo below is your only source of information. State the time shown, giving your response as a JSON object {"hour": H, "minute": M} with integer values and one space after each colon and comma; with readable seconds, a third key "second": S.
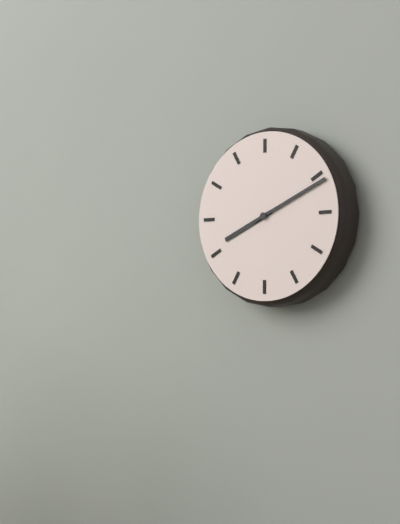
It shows {"hour": 8, "minute": 11}
